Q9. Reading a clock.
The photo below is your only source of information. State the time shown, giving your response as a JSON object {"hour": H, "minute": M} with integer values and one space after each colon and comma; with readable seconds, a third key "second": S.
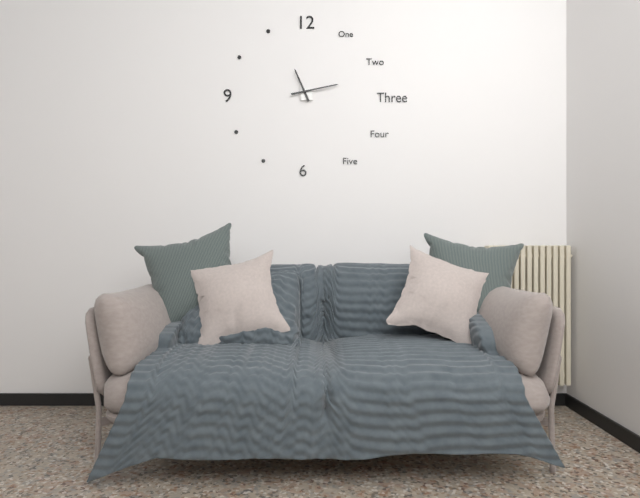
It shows {"hour": 11, "minute": 13}
